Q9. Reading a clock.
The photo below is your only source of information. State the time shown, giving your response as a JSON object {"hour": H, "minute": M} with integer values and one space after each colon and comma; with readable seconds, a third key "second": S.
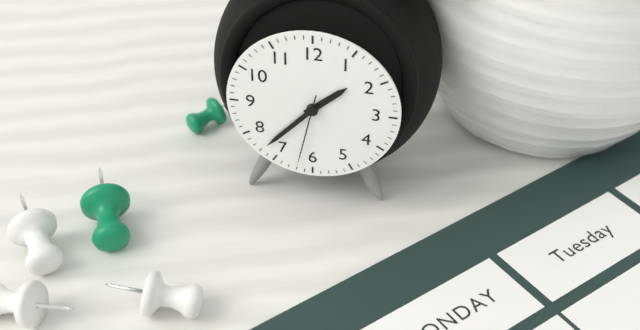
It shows {"hour": 1, "minute": 37, "second": 32}
